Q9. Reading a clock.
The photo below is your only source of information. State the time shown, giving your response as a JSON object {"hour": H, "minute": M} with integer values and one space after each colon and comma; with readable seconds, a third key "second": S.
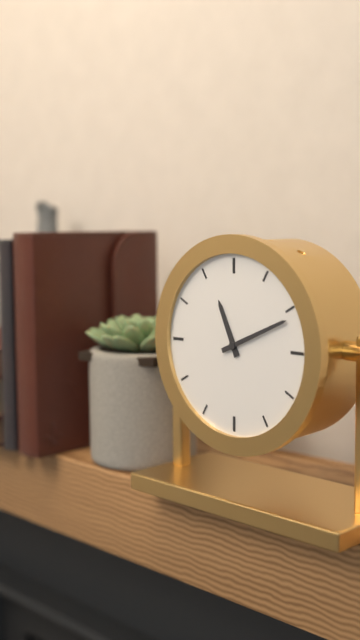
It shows {"hour": 11, "minute": 11}
